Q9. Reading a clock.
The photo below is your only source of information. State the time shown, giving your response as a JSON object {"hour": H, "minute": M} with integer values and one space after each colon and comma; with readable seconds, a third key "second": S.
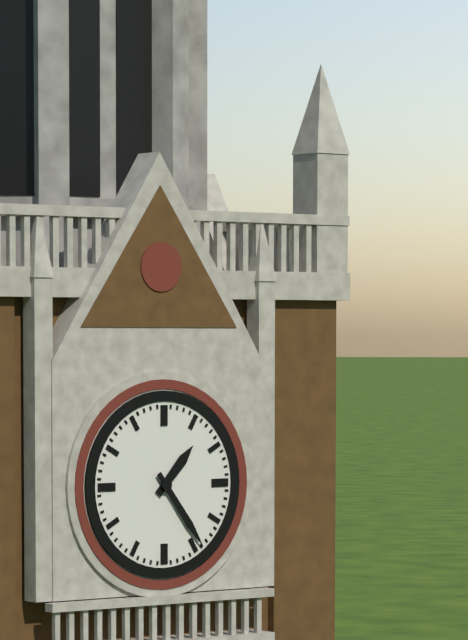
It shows {"hour": 1, "minute": 24}
